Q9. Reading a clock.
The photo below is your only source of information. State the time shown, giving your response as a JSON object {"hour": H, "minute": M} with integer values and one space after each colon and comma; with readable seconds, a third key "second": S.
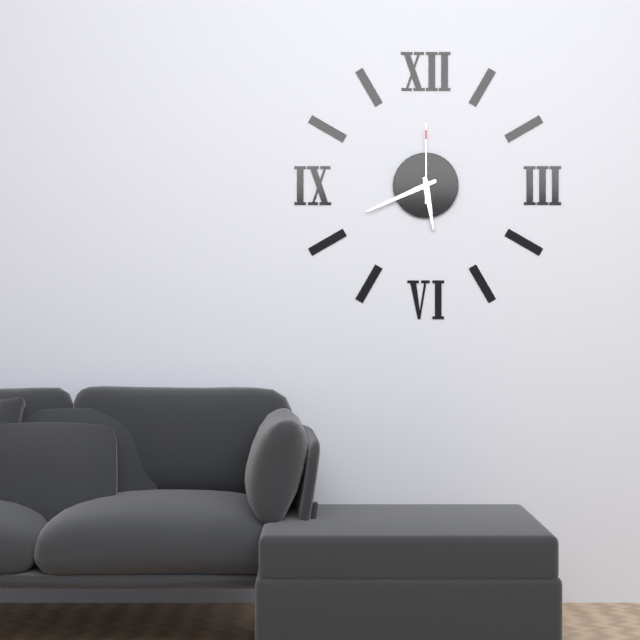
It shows {"hour": 5, "minute": 41, "second": 0}
